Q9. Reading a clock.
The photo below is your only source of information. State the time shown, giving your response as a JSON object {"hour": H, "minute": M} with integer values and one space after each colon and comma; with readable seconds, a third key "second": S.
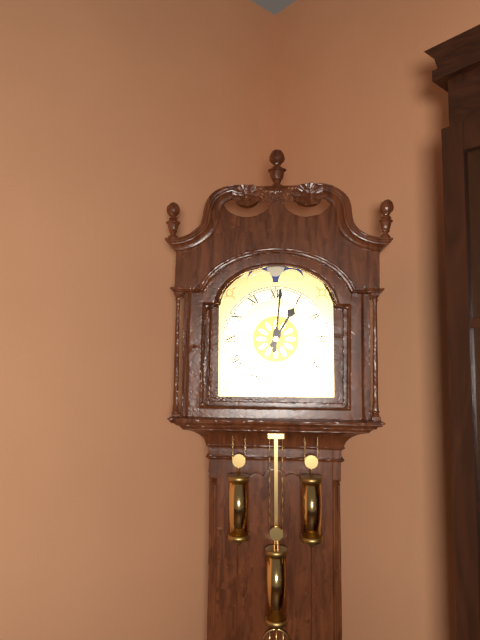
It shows {"hour": 1, "minute": 1}
